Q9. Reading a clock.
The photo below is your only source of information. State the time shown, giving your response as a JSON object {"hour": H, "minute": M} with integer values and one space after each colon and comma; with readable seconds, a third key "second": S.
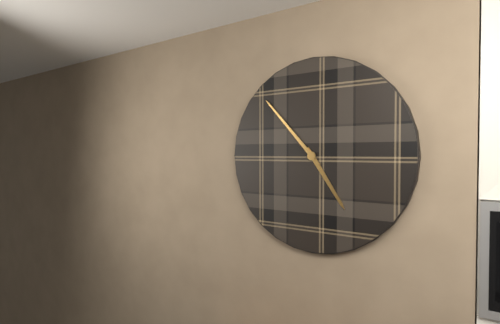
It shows {"hour": 4, "minute": 53}
